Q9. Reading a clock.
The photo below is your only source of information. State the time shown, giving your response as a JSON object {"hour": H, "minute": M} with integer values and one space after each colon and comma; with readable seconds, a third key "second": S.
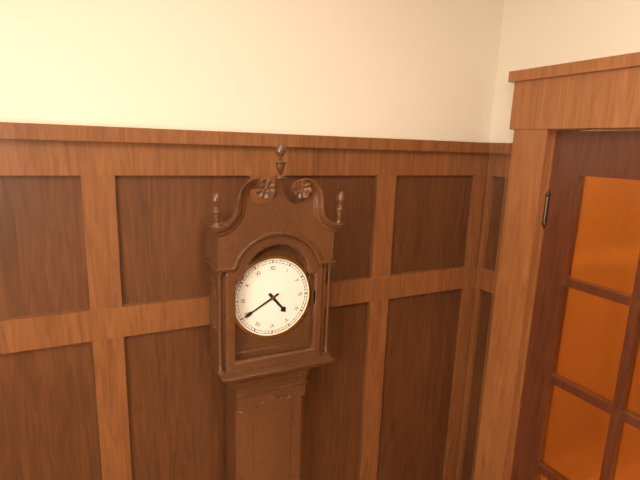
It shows {"hour": 4, "minute": 40}
